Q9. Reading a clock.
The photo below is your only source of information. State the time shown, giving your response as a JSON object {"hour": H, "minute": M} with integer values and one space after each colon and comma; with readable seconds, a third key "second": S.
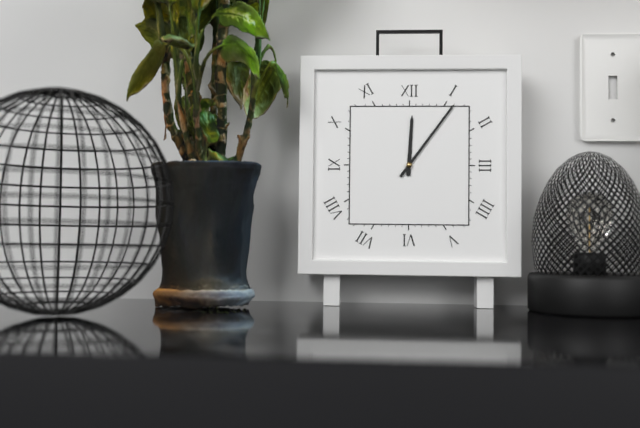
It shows {"hour": 12, "minute": 6}
